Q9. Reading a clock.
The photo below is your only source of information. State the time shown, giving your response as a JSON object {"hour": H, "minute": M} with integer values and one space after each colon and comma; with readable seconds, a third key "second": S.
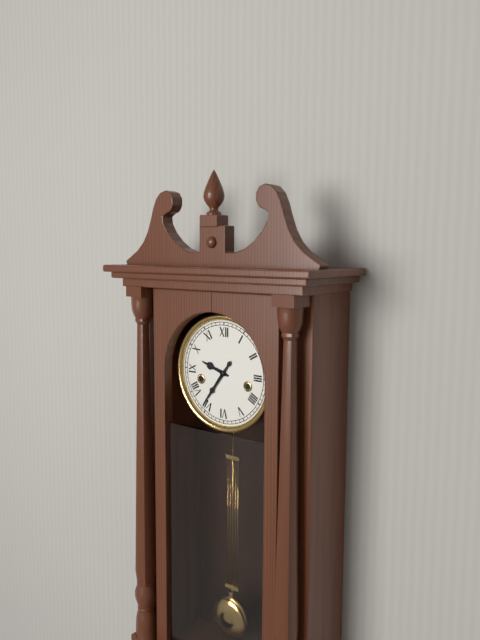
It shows {"hour": 9, "minute": 36}
